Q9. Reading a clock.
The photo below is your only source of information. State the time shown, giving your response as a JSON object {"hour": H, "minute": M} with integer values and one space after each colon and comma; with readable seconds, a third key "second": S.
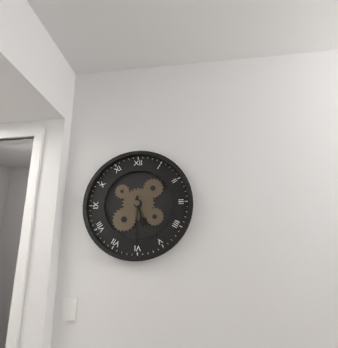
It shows {"hour": 5, "minute": 30}
